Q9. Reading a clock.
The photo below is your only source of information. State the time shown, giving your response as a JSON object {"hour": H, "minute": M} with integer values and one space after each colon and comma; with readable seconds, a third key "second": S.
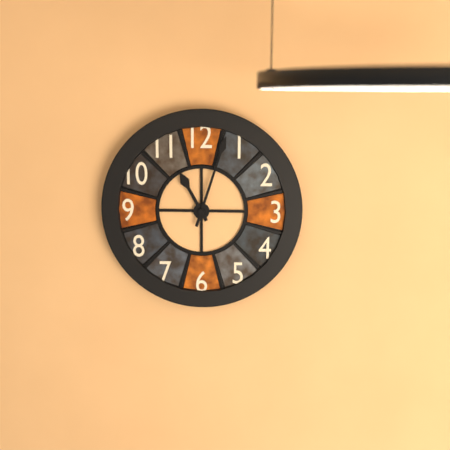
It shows {"hour": 11, "minute": 3}
